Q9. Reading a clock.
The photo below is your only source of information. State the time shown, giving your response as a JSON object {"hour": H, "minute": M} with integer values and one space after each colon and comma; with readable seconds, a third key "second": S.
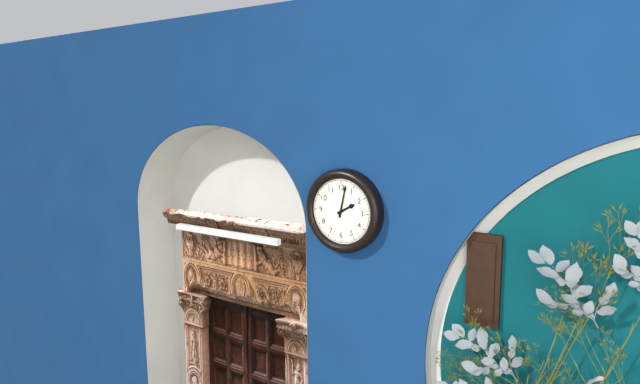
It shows {"hour": 2, "minute": 2}
